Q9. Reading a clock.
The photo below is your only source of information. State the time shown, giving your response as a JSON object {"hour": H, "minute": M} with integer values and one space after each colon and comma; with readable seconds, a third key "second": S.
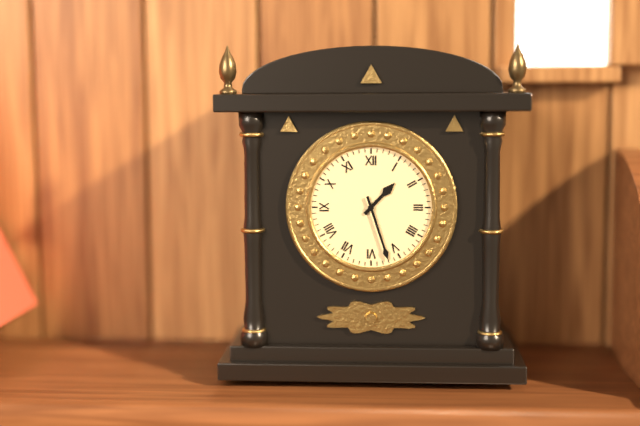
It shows {"hour": 1, "minute": 27}
